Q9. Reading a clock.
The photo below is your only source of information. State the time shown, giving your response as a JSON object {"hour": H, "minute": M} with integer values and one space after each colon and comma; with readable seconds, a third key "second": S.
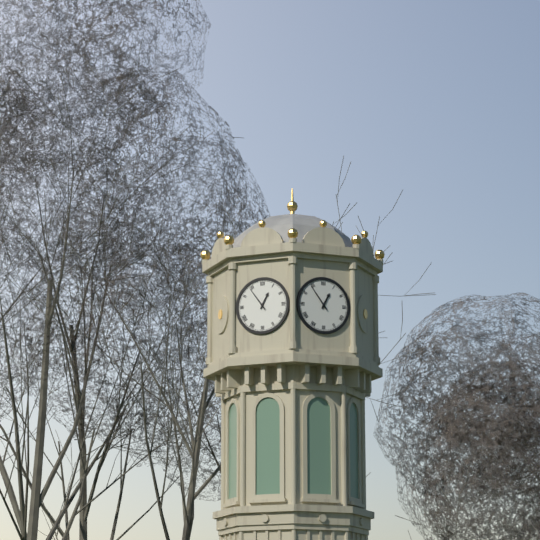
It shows {"hour": 12, "minute": 54}
